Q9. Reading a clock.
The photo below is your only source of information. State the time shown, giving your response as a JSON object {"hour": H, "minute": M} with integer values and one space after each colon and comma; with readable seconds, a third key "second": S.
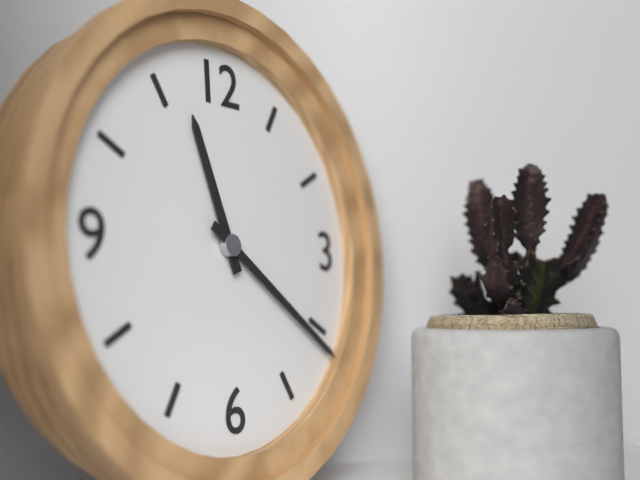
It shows {"hour": 11, "minute": 21}
